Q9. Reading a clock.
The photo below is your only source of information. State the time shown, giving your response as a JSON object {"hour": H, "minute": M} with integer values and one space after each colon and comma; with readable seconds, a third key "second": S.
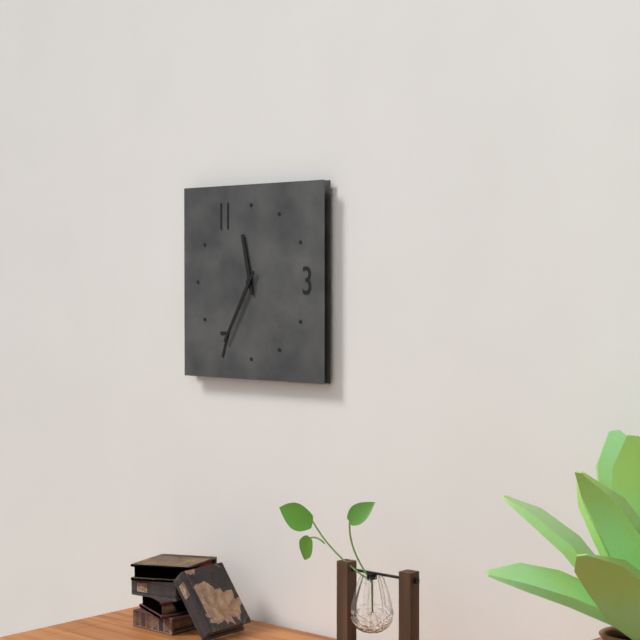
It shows {"hour": 11, "minute": 35}
